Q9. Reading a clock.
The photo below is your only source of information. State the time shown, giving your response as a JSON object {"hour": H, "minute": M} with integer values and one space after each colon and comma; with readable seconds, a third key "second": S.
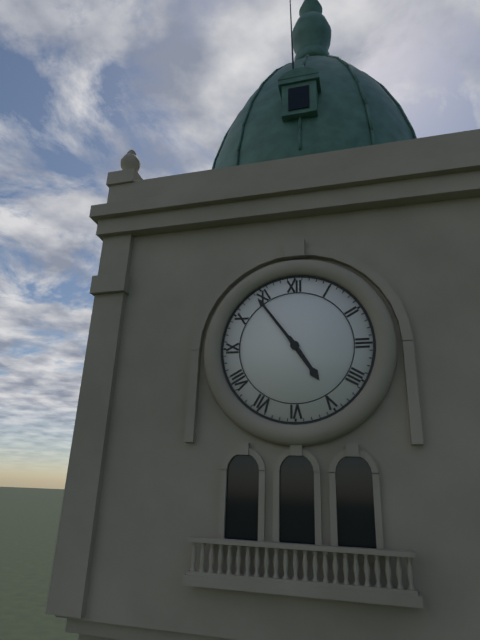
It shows {"hour": 4, "minute": 54}
